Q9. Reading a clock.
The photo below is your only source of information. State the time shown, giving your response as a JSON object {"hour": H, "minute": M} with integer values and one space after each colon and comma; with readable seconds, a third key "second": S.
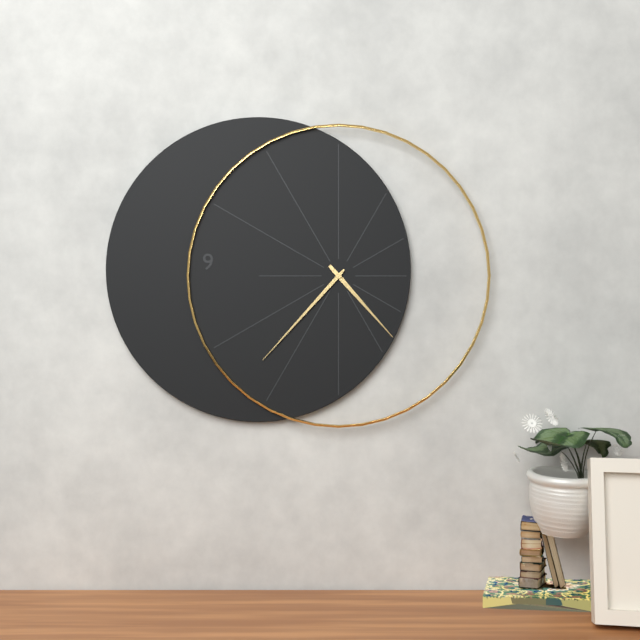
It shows {"hour": 4, "minute": 37}
